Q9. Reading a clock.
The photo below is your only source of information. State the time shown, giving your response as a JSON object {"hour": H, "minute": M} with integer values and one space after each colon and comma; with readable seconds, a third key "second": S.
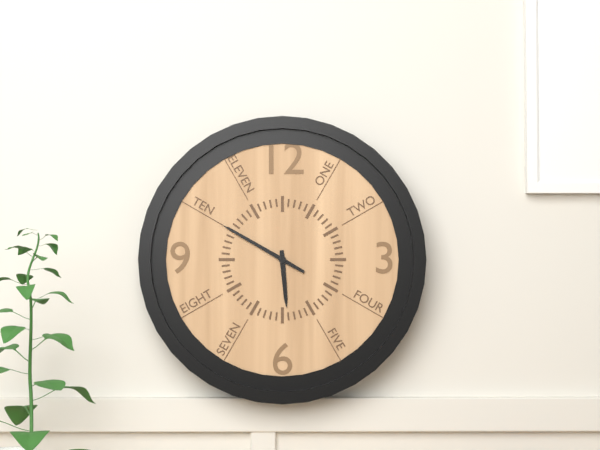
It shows {"hour": 5, "minute": 50}
